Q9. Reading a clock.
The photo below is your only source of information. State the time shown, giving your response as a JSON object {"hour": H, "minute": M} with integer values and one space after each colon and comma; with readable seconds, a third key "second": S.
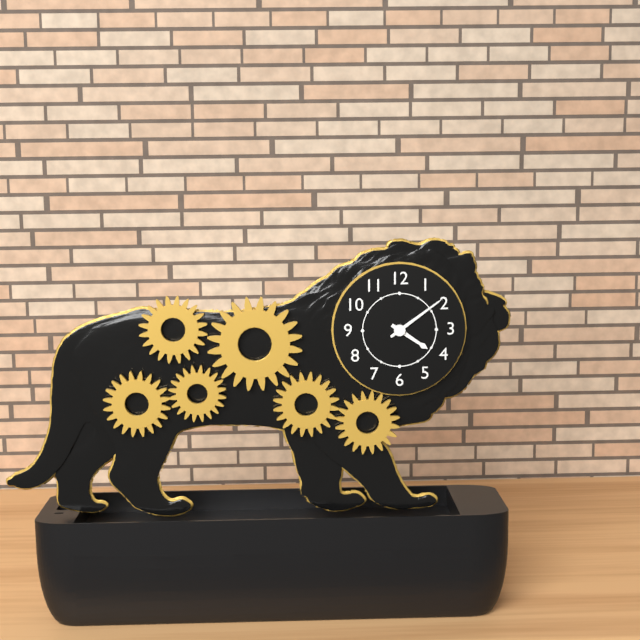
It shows {"hour": 4, "minute": 9}
